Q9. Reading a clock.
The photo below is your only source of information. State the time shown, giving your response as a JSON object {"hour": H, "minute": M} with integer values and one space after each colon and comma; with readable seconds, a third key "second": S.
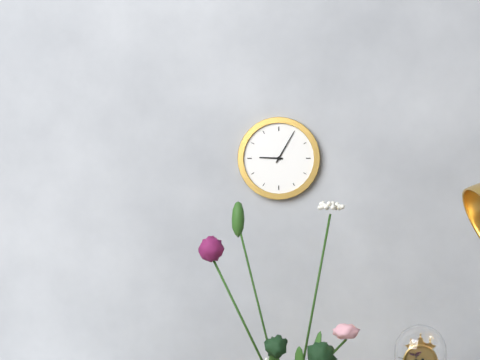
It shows {"hour": 9, "minute": 5}
